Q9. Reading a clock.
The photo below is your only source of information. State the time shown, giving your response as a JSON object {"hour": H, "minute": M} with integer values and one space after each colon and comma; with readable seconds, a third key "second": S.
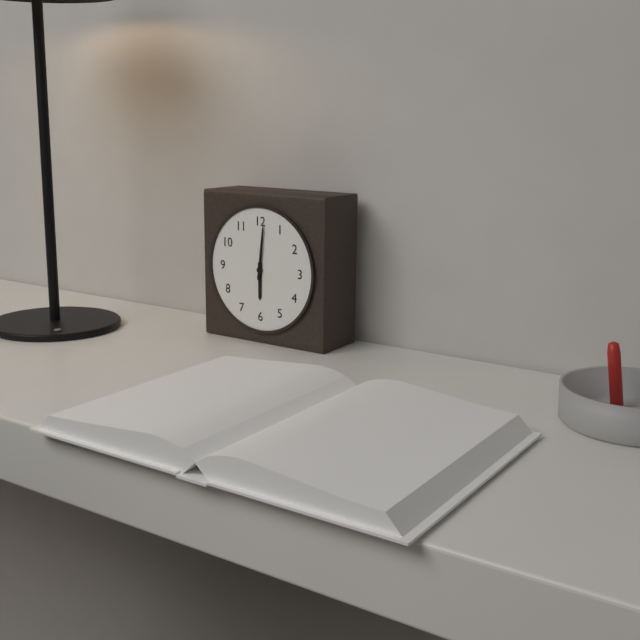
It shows {"hour": 6, "minute": 1}
